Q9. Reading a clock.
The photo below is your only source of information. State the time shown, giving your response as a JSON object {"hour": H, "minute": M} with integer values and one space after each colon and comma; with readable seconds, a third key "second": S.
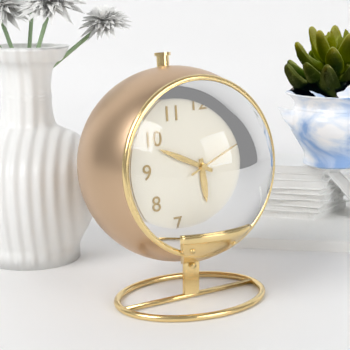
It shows {"hour": 5, "minute": 49, "second": 11}
